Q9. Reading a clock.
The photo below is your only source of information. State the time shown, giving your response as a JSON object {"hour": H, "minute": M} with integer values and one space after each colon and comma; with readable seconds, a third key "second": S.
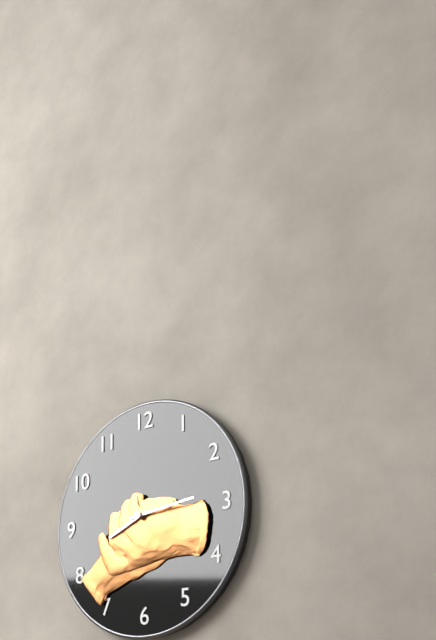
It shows {"hour": 8, "minute": 14}
